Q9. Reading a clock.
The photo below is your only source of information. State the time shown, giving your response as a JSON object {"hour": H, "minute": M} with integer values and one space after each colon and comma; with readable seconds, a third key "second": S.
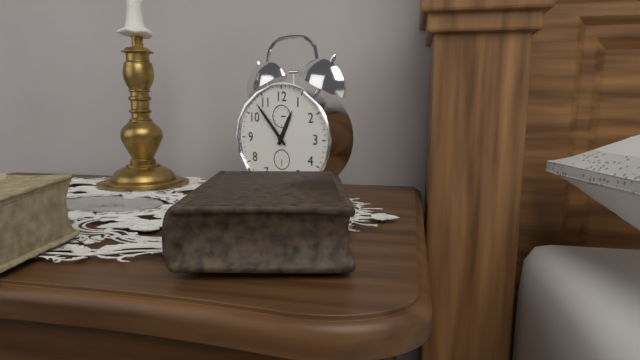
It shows {"hour": 12, "minute": 53}
